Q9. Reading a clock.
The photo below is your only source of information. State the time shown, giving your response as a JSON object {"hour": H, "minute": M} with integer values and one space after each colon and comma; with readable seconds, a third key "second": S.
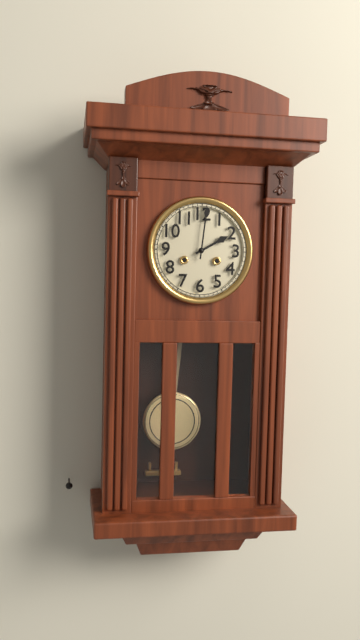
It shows {"hour": 2, "minute": 1}
